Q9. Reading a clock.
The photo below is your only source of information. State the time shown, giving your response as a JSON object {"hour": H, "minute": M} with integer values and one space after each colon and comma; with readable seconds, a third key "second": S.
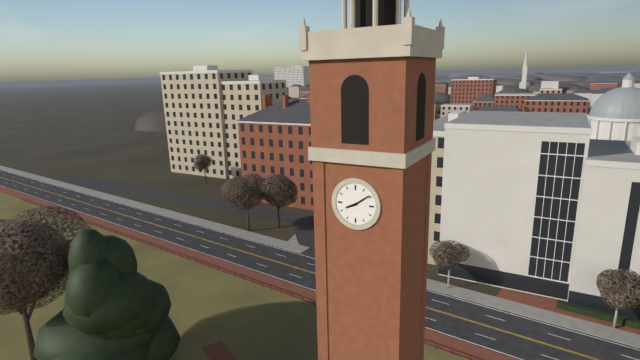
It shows {"hour": 8, "minute": 9}
